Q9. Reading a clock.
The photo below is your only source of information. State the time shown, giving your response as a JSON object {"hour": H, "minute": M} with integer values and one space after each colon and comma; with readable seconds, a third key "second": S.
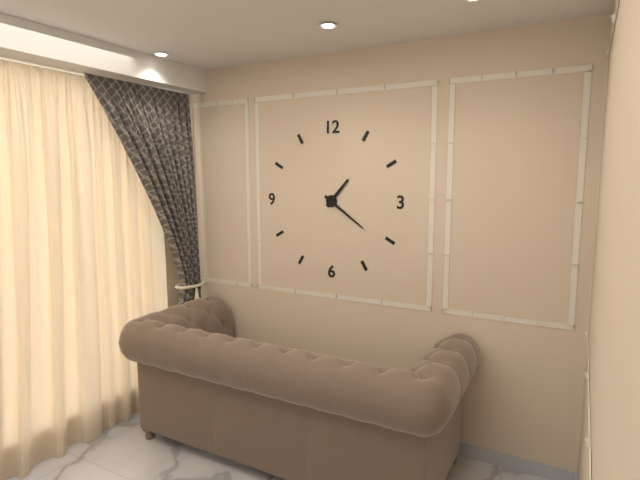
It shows {"hour": 1, "minute": 21}
